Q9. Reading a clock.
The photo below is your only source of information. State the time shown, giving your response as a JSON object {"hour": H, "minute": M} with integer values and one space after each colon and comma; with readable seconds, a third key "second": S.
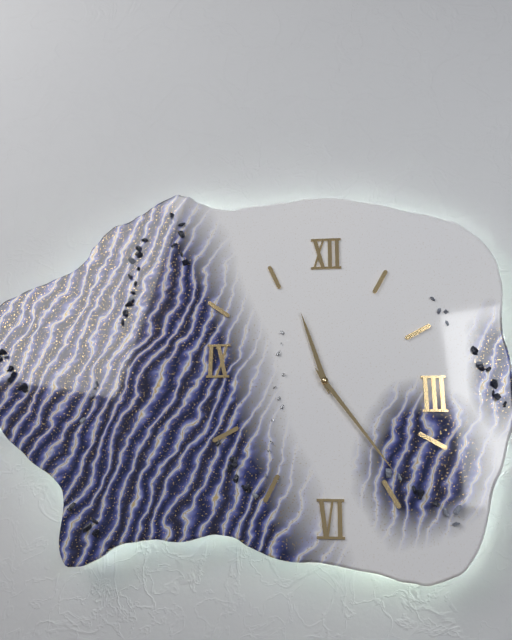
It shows {"hour": 11, "minute": 24}
